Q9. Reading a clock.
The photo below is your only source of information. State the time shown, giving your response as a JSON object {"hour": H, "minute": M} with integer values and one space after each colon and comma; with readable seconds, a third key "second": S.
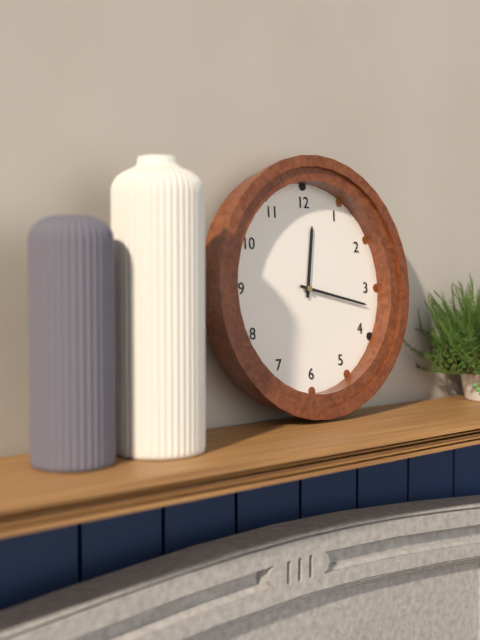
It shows {"hour": 12, "minute": 17}
